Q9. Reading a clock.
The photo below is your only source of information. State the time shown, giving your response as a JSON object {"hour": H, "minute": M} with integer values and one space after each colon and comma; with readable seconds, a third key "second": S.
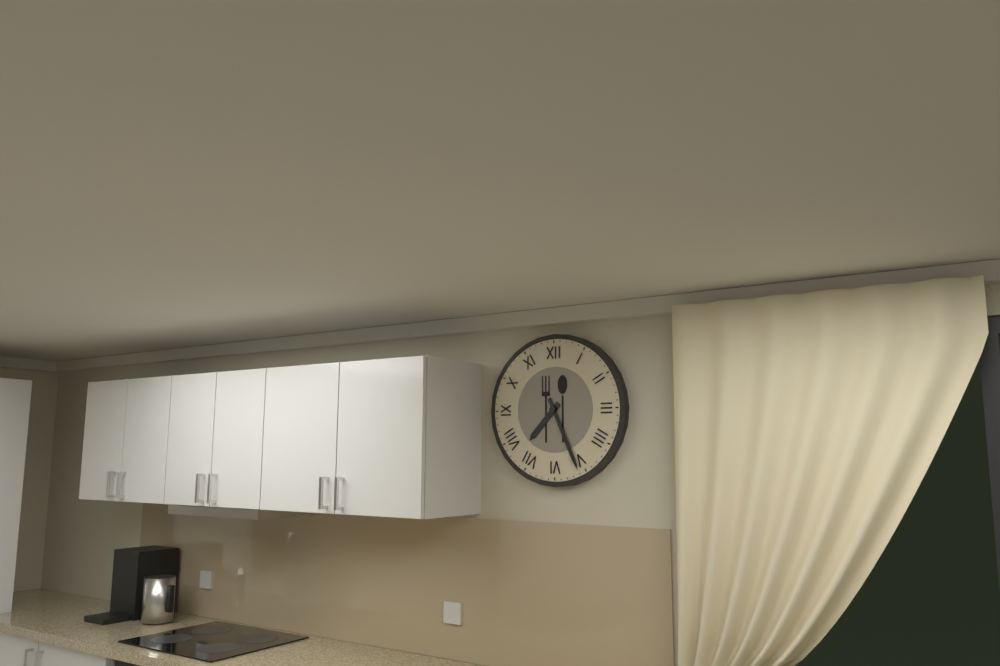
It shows {"hour": 7, "minute": 26}
